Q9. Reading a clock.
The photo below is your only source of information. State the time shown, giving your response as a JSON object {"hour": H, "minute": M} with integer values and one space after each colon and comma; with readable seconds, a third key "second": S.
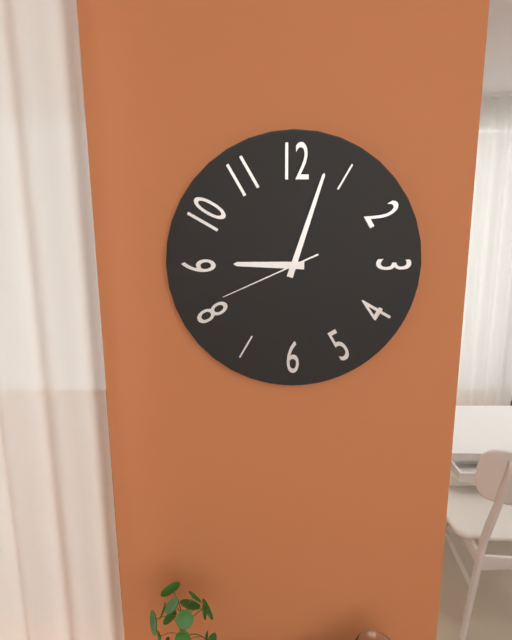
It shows {"hour": 9, "minute": 3, "second": 41}
